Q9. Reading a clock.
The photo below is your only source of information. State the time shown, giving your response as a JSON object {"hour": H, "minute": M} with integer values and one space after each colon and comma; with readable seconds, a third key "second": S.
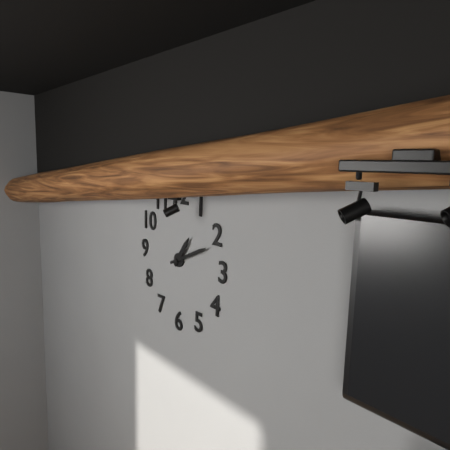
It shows {"hour": 1, "minute": 11}
